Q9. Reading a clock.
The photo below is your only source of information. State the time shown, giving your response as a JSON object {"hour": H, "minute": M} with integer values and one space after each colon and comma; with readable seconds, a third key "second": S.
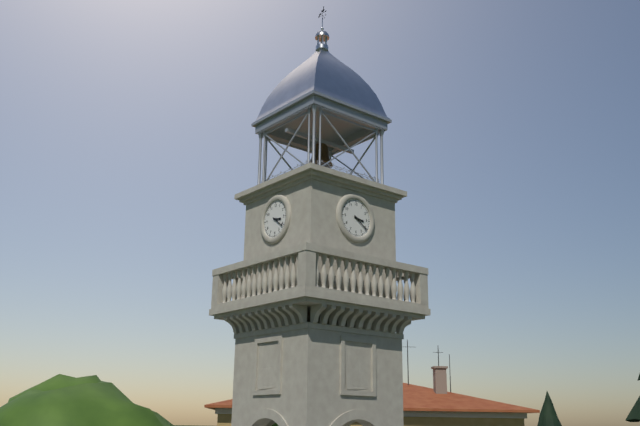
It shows {"hour": 3, "minute": 21}
